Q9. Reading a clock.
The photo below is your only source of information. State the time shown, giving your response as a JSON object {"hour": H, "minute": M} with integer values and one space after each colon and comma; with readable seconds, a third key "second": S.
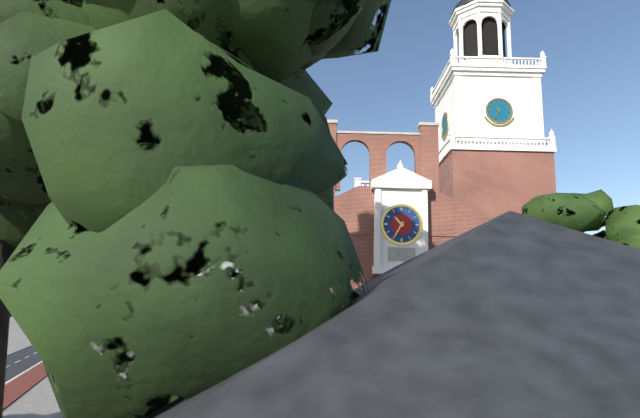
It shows {"hour": 10, "minute": 35}
